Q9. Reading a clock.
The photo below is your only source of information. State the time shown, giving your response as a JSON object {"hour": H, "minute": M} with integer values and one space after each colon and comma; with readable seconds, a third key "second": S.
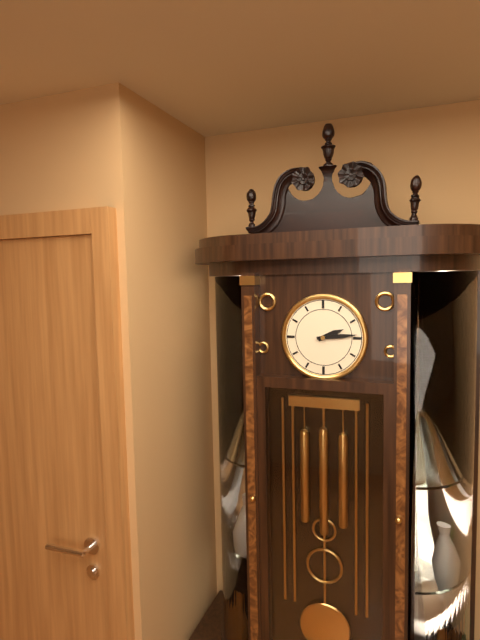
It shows {"hour": 2, "minute": 14}
